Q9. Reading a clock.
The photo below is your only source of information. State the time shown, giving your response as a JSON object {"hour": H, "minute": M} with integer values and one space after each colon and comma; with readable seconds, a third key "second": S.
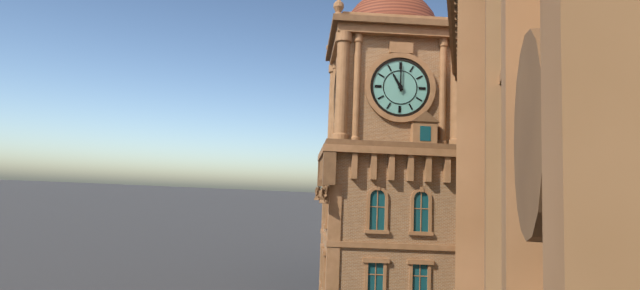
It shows {"hour": 11, "minute": 0}
